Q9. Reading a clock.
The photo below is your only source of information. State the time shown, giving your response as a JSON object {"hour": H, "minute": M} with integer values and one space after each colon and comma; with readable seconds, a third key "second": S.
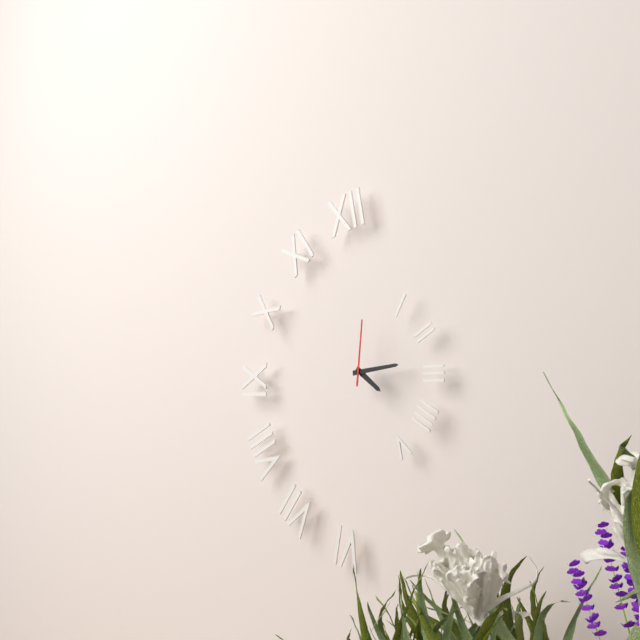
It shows {"hour": 4, "minute": 14, "second": 1}
